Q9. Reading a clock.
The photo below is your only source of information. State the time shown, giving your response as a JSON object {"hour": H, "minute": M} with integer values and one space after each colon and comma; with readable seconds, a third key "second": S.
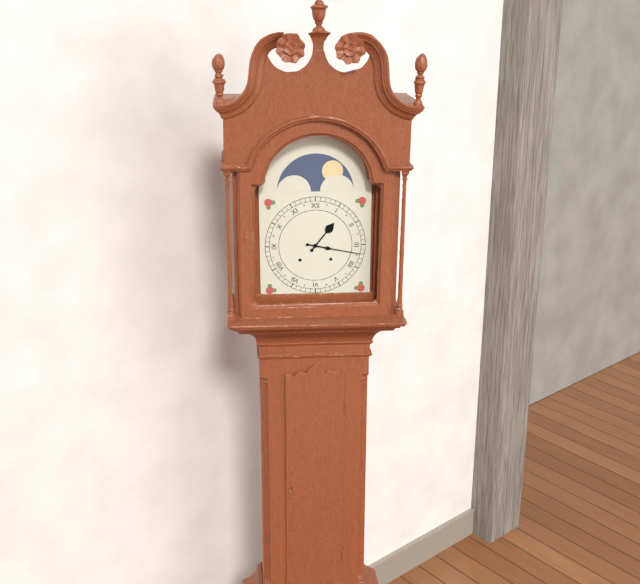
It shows {"hour": 1, "minute": 17}
